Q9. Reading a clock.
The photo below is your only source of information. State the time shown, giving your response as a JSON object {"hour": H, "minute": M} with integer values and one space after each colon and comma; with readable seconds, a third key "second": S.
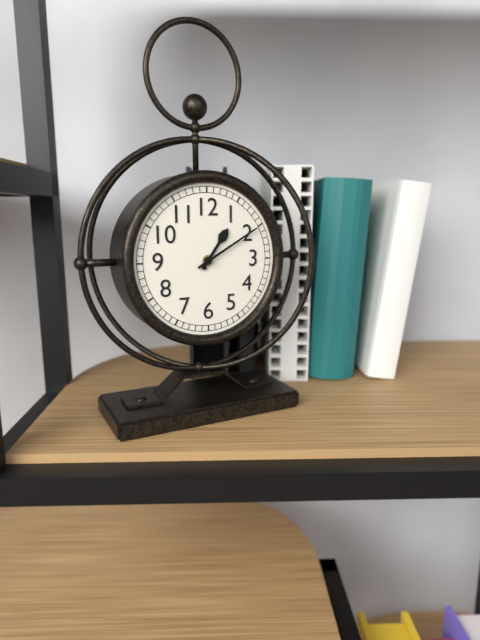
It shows {"hour": 1, "minute": 10}
